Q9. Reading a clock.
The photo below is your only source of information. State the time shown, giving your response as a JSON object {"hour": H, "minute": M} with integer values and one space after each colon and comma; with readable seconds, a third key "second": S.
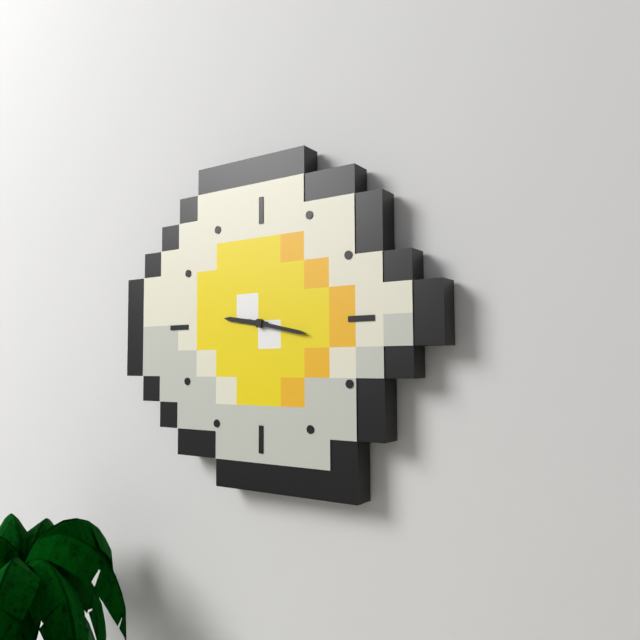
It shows {"hour": 9, "minute": 17}
